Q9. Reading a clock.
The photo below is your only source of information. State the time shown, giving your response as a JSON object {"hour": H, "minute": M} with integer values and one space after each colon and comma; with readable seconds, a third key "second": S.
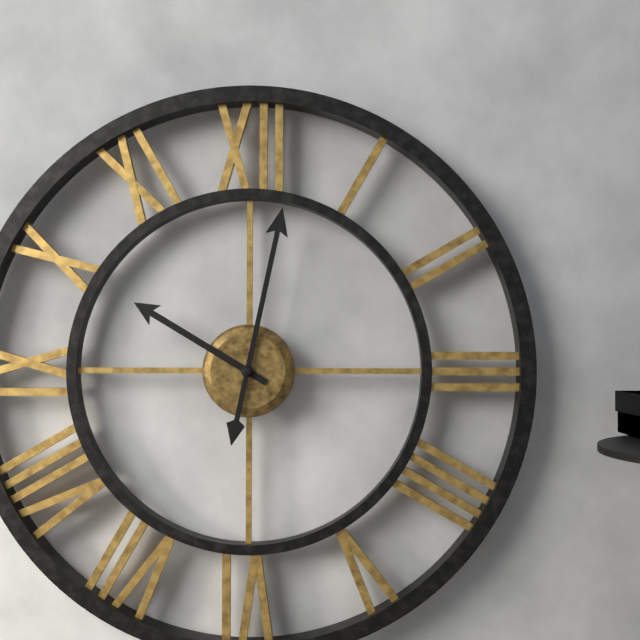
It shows {"hour": 10, "minute": 2}
